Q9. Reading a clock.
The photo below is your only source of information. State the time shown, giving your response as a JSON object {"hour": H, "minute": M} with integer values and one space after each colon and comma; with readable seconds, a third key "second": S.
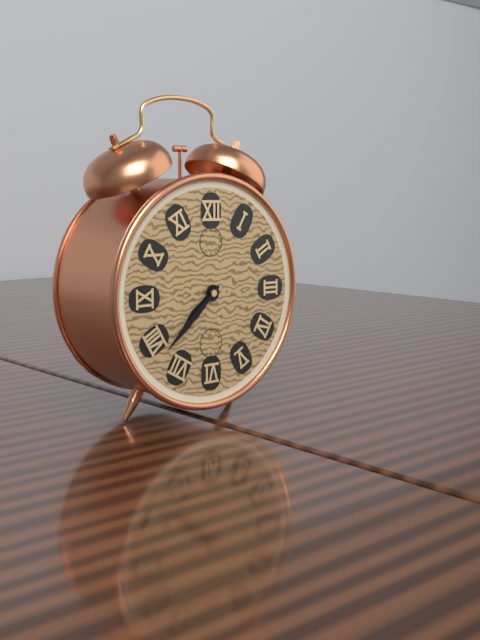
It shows {"hour": 7, "minute": 38}
